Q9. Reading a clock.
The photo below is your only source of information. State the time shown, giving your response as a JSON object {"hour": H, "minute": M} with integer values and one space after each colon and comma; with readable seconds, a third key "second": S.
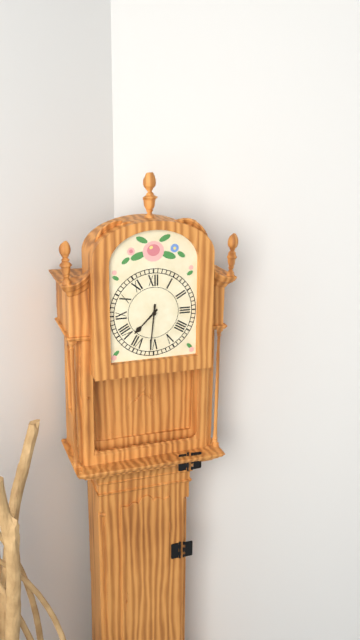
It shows {"hour": 7, "minute": 31}
